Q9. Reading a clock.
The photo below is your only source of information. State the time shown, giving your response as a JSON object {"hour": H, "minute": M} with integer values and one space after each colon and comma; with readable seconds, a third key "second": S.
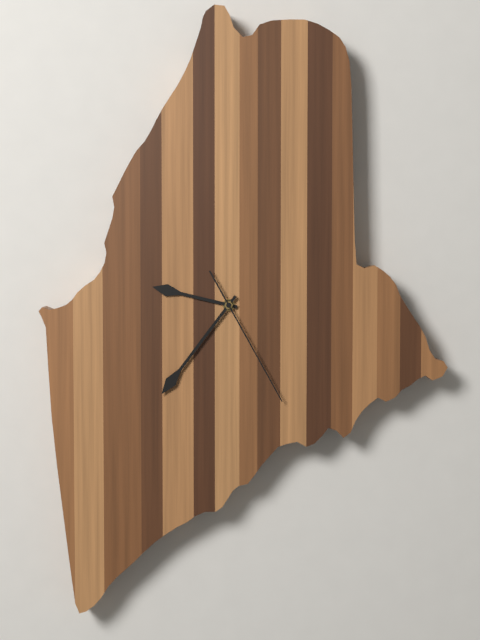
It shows {"hour": 9, "minute": 37, "second": 26}
